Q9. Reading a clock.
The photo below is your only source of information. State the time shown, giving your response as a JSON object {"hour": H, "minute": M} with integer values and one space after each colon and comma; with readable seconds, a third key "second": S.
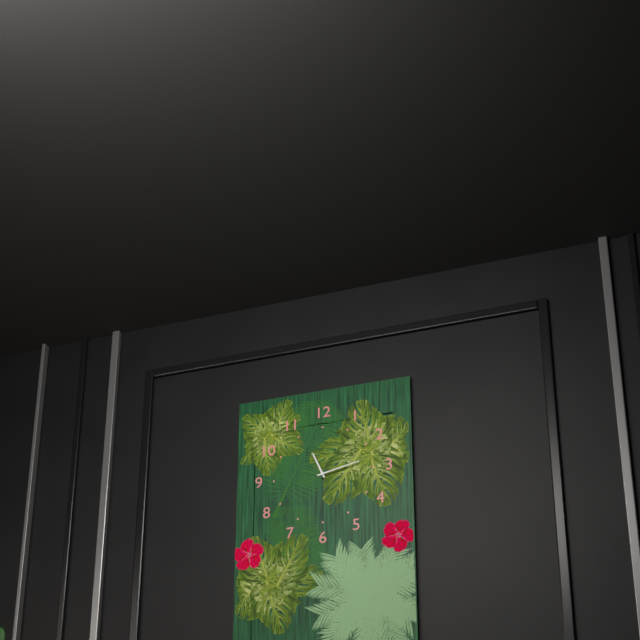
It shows {"hour": 11, "minute": 13}
